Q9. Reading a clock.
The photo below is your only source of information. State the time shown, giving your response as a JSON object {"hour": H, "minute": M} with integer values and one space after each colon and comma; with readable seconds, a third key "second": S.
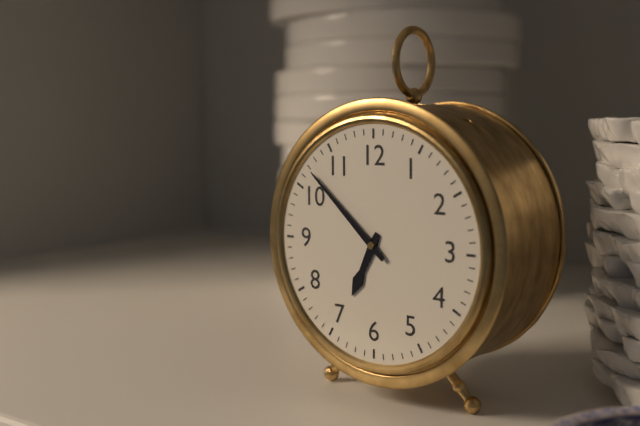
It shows {"hour": 6, "minute": 52}
